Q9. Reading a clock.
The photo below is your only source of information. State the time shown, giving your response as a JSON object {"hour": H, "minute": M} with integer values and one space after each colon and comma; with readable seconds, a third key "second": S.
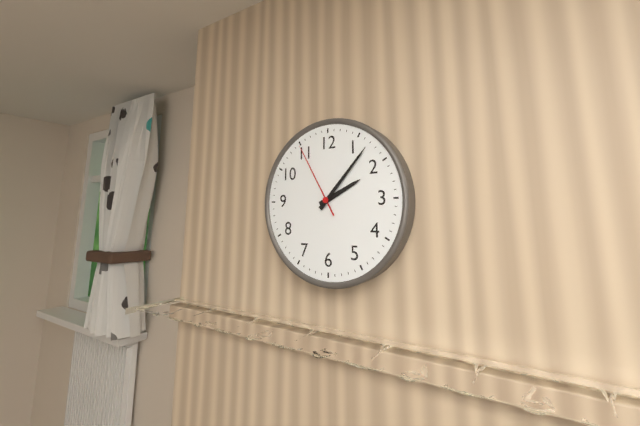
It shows {"hour": 2, "minute": 7, "second": 55}
